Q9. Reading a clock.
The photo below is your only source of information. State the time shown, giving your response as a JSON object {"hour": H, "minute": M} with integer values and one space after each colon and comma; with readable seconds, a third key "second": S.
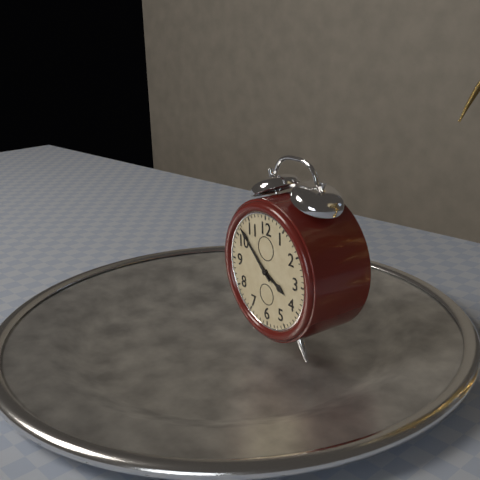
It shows {"hour": 3, "minute": 52}
